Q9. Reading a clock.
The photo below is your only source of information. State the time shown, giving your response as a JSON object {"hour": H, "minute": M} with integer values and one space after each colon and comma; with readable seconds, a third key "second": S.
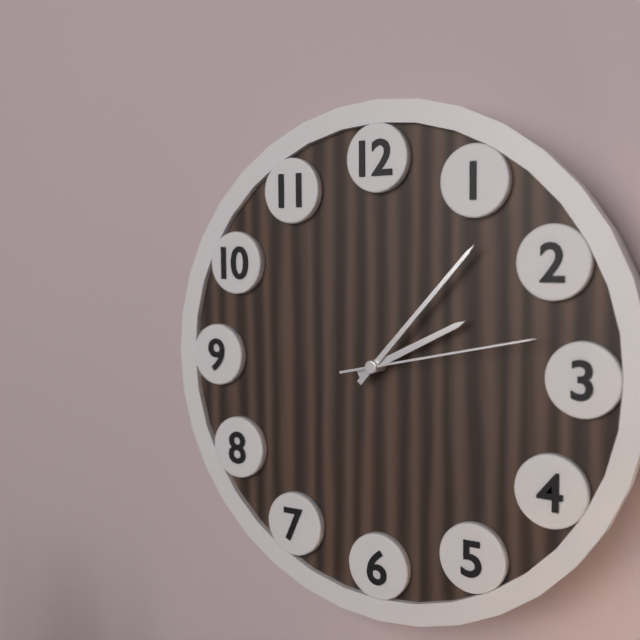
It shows {"hour": 2, "minute": 7, "second": 13}
